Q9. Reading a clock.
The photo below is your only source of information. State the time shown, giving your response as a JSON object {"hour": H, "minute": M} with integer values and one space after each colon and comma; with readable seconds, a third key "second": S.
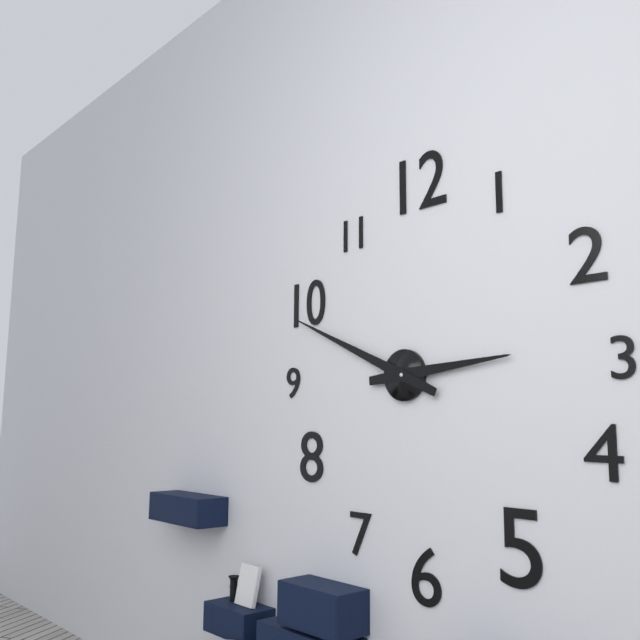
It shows {"hour": 2, "minute": 49}
